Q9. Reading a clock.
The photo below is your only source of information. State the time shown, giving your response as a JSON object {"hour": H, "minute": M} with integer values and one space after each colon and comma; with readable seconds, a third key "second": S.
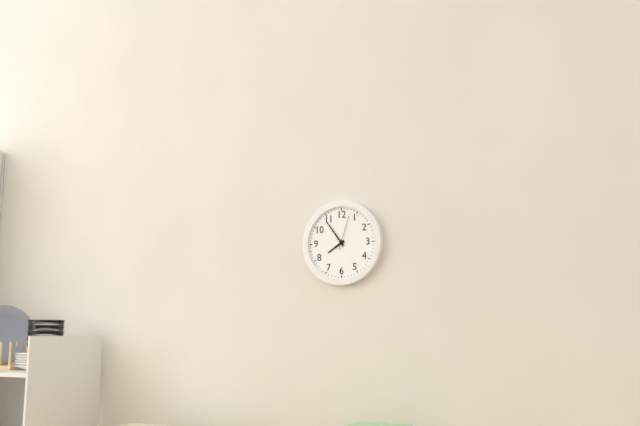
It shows {"hour": 7, "minute": 54}
